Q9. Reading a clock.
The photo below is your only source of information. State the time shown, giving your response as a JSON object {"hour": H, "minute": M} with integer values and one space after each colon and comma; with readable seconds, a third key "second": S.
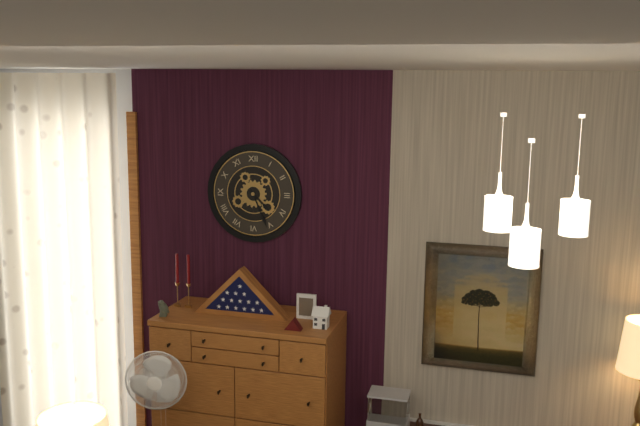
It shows {"hour": 4, "minute": 26}
